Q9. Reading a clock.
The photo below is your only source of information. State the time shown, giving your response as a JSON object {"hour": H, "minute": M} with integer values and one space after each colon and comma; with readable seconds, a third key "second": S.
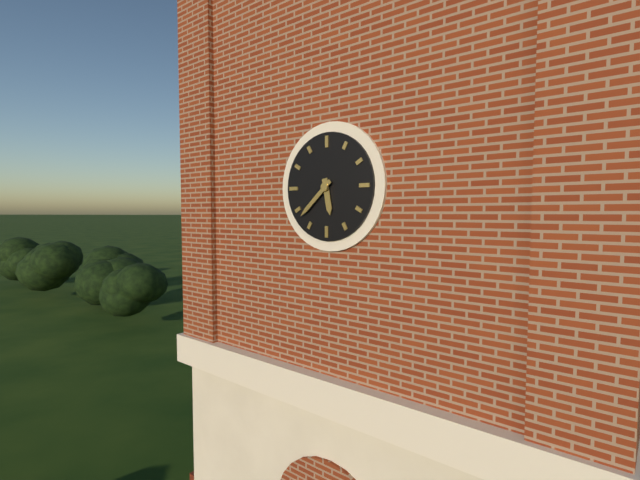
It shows {"hour": 5, "minute": 38}
